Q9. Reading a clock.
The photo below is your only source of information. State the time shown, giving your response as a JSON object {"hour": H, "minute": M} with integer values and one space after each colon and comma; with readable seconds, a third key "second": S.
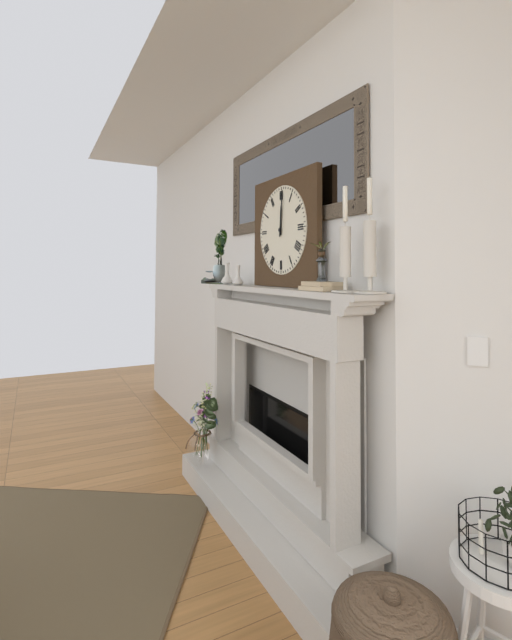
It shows {"hour": 12, "minute": 1}
